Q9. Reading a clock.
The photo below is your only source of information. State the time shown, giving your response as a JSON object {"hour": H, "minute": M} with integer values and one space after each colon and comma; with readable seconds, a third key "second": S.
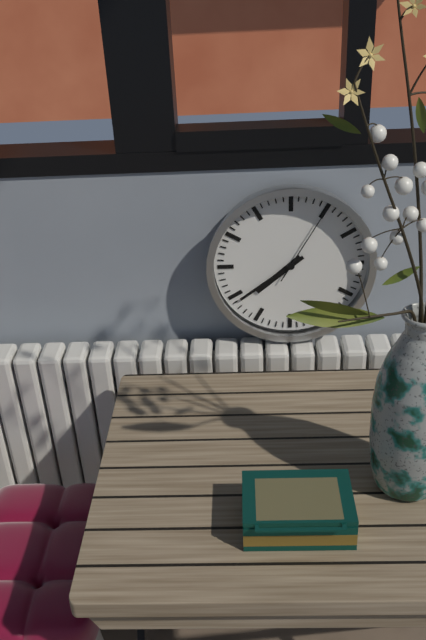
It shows {"hour": 7, "minute": 39, "second": 5}
